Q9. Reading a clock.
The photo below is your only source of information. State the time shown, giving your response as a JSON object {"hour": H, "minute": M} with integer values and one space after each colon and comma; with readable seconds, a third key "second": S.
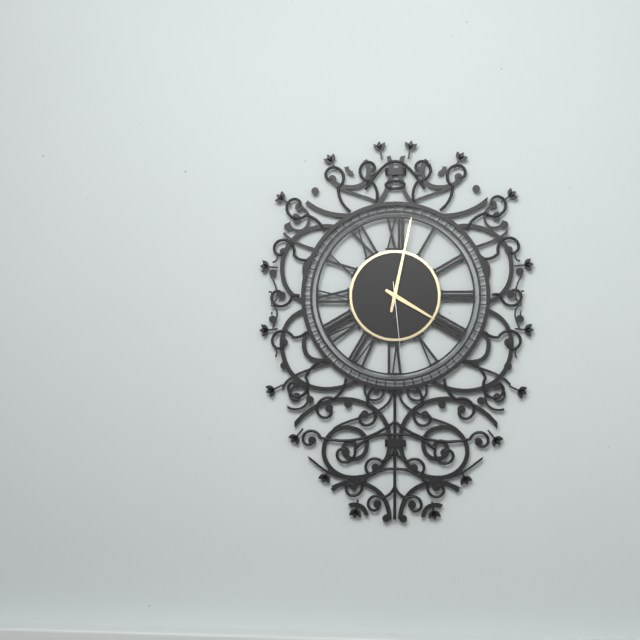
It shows {"hour": 4, "minute": 2, "second": 29}
